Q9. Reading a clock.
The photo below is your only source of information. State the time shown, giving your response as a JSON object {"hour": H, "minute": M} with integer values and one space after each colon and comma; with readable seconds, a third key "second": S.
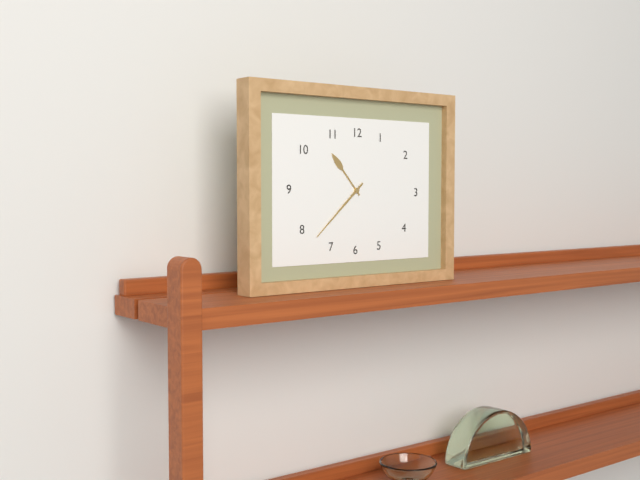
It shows {"hour": 10, "minute": 38}
